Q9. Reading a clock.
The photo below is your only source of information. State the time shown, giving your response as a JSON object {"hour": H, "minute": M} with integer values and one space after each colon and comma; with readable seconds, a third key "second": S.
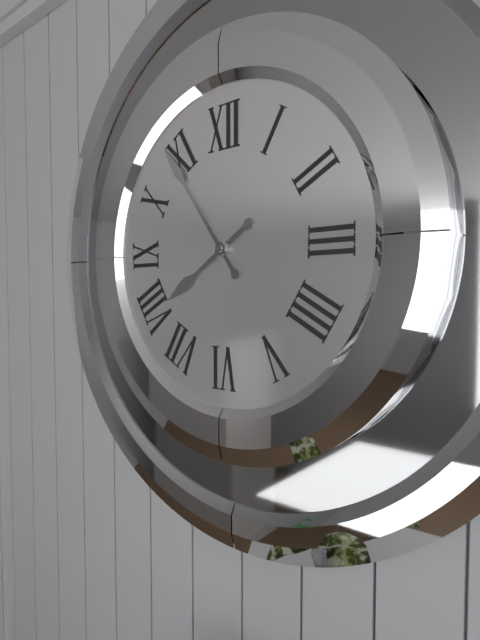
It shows {"hour": 7, "minute": 54}
